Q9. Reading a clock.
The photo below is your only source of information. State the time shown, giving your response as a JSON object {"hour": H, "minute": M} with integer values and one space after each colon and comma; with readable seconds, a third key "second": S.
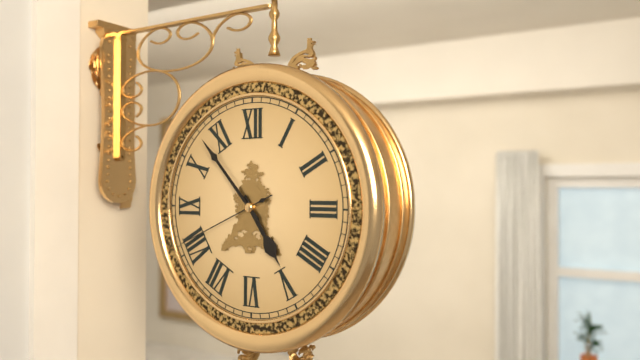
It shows {"hour": 4, "minute": 53, "second": 41}
